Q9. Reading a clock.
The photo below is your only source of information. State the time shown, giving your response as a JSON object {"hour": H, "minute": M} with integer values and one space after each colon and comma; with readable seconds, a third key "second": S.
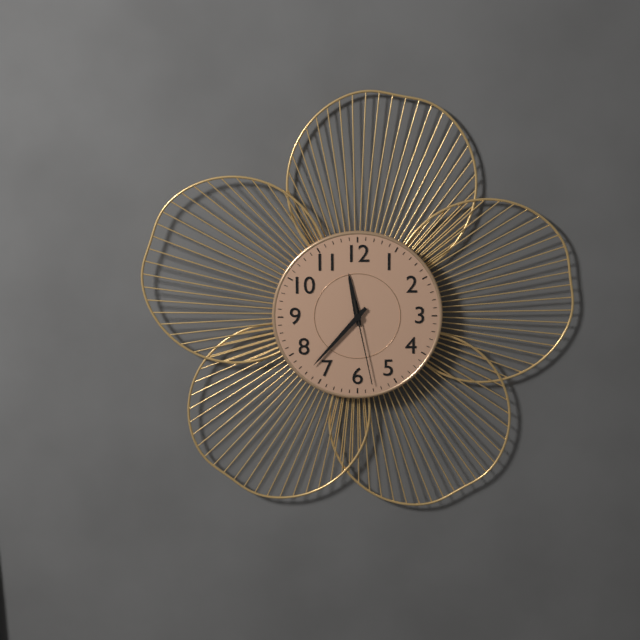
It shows {"hour": 11, "minute": 37, "second": 28}
